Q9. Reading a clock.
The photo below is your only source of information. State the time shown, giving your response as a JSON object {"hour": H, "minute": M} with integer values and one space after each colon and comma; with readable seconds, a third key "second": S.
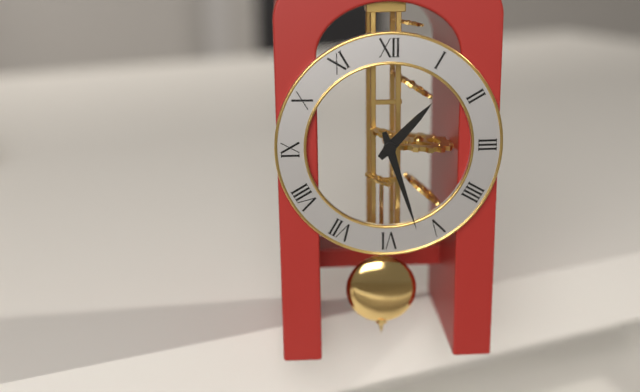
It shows {"hour": 1, "minute": 27}
